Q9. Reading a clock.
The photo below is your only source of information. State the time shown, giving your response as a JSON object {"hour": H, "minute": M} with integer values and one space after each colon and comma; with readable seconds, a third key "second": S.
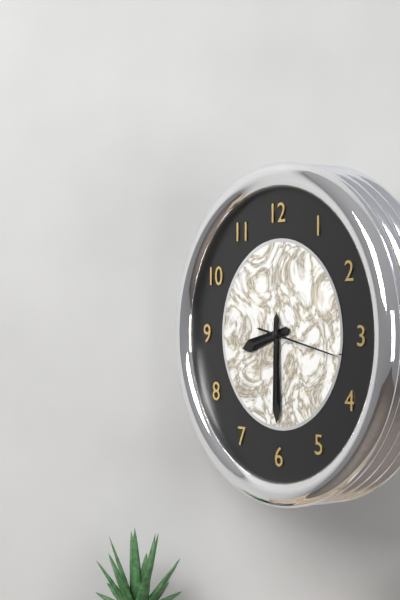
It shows {"hour": 8, "minute": 30, "second": 17}
